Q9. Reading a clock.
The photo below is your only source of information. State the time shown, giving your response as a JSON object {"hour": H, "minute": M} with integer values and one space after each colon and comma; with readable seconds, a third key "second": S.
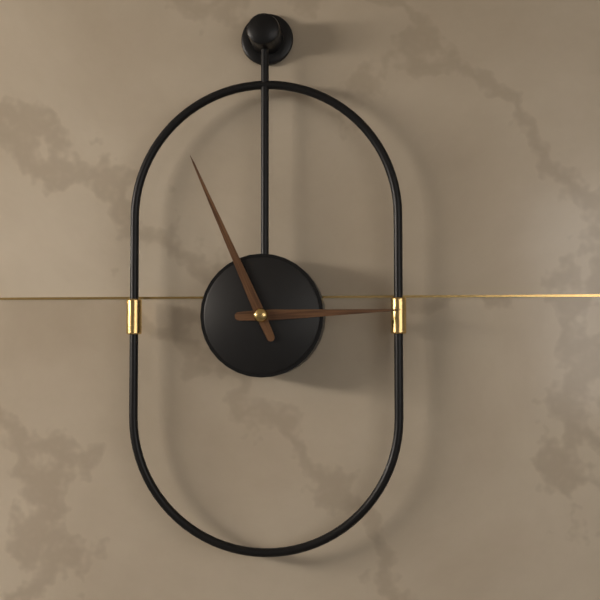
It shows {"hour": 2, "minute": 56}
